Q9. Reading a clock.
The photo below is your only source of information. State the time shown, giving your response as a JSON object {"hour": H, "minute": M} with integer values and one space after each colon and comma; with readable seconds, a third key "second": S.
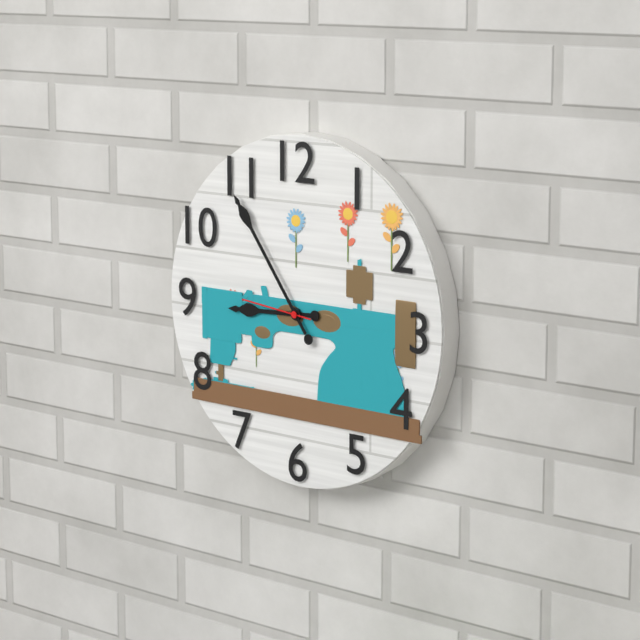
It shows {"hour": 8, "minute": 54, "second": 46}
